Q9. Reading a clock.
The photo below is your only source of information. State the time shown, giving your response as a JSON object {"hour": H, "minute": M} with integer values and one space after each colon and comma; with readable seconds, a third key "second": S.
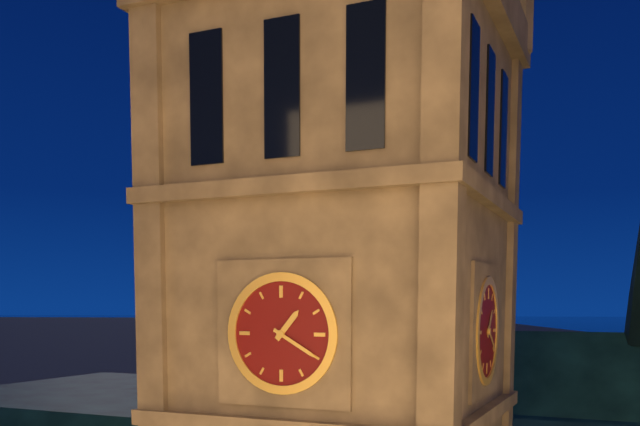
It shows {"hour": 1, "minute": 20}
